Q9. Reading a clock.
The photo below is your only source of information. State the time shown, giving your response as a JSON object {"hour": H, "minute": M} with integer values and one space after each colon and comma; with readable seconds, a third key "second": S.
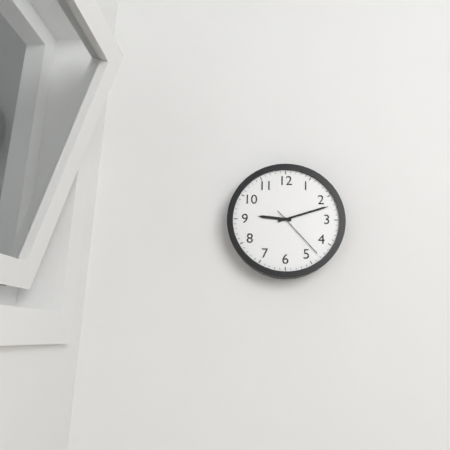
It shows {"hour": 9, "minute": 12, "second": 23}
